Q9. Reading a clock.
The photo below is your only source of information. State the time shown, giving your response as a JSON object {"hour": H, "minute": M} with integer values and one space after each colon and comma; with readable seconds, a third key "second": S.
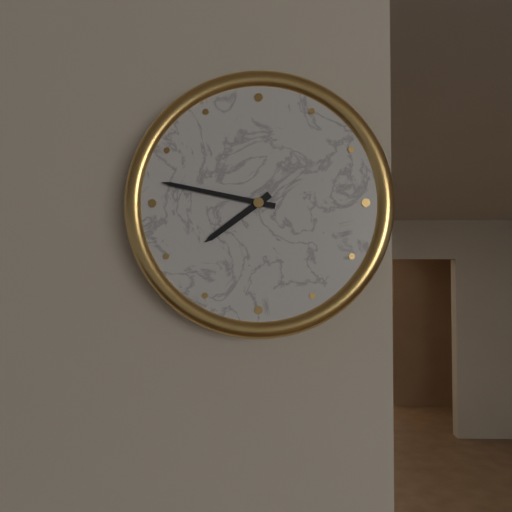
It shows {"hour": 7, "minute": 47}
